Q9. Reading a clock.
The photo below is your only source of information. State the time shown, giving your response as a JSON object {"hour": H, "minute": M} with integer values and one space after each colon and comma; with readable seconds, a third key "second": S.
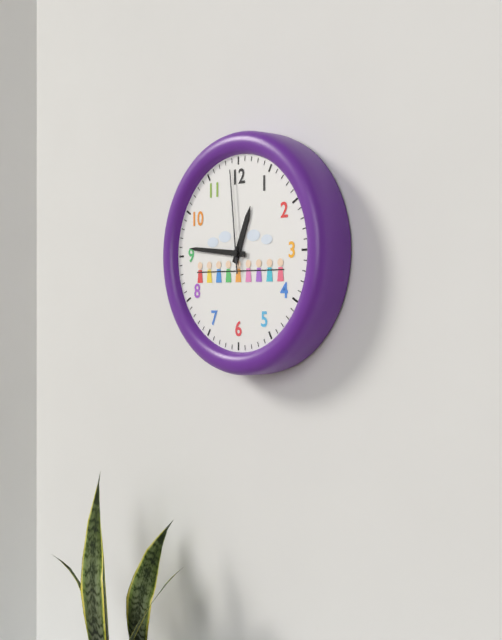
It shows {"hour": 12, "minute": 46, "second": 59}
